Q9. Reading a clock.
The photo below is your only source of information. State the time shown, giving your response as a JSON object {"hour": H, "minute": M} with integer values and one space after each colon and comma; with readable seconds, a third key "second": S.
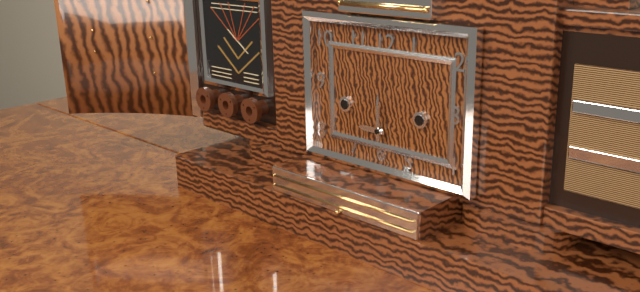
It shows {"hour": 9, "minute": 0}
